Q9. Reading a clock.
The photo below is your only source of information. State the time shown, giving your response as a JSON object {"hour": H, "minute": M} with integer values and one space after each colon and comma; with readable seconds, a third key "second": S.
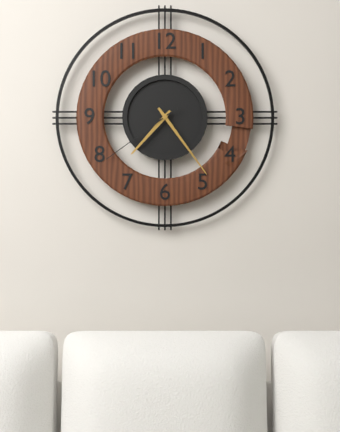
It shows {"hour": 7, "minute": 24, "second": 39}
